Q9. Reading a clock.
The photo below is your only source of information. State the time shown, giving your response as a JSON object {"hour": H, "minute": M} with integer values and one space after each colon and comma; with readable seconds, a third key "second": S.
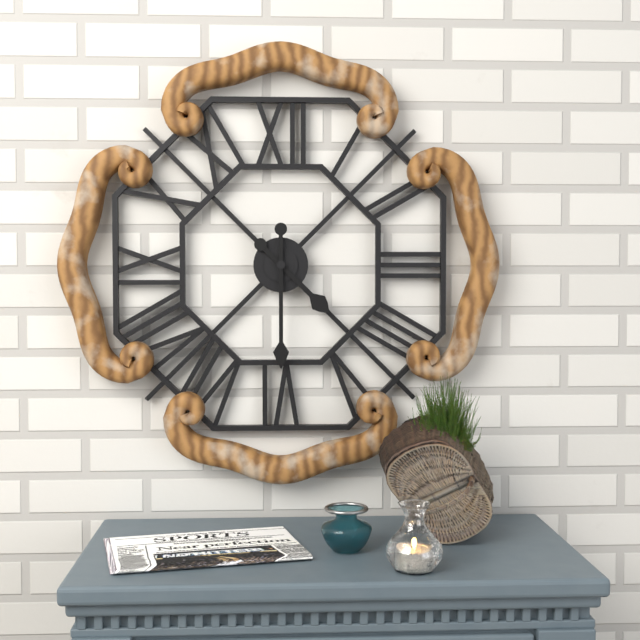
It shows {"hour": 4, "minute": 30}
